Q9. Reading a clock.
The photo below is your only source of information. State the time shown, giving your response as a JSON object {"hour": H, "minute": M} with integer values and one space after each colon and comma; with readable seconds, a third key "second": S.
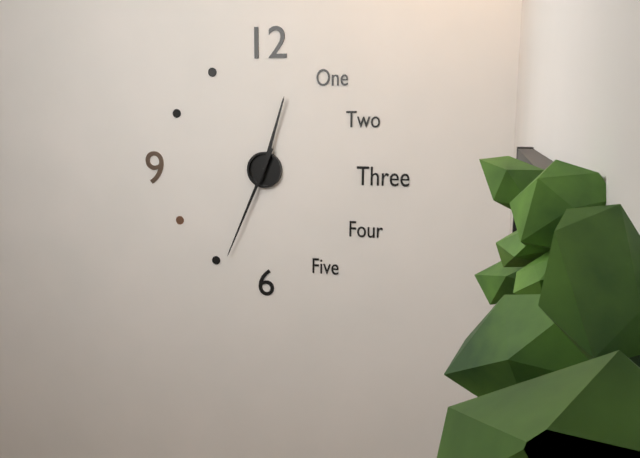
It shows {"hour": 12, "minute": 34}
